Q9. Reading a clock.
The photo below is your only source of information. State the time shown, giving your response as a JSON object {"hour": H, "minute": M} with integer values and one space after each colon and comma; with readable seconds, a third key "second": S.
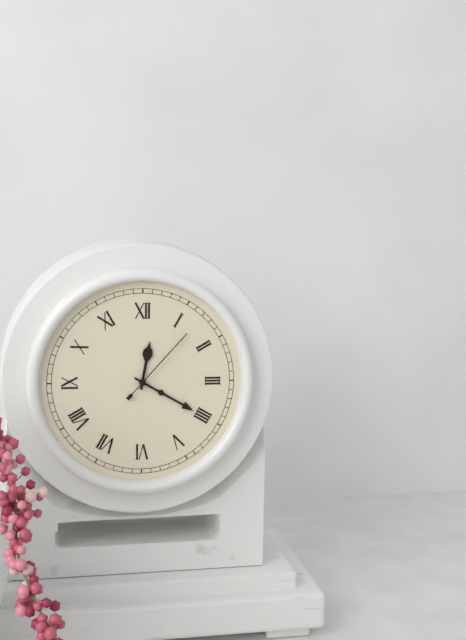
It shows {"hour": 12, "minute": 20, "second": 7}
